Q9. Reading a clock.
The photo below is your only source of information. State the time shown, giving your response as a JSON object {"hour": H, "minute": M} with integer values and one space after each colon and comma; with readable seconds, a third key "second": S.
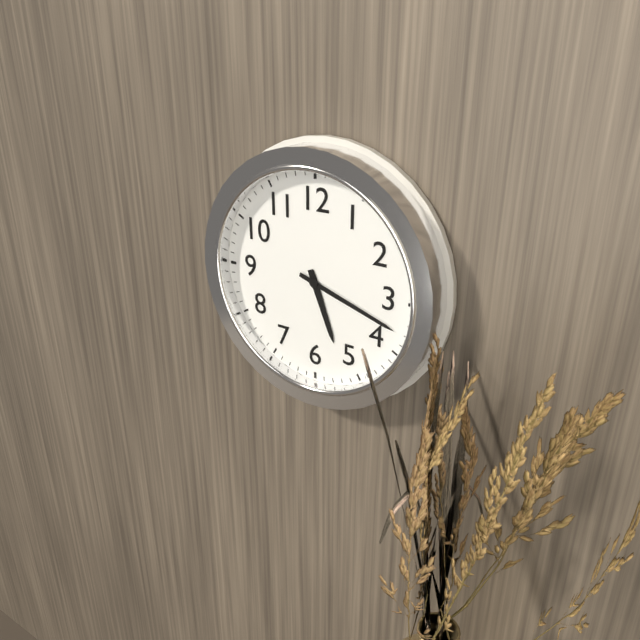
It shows {"hour": 5, "minute": 18}
